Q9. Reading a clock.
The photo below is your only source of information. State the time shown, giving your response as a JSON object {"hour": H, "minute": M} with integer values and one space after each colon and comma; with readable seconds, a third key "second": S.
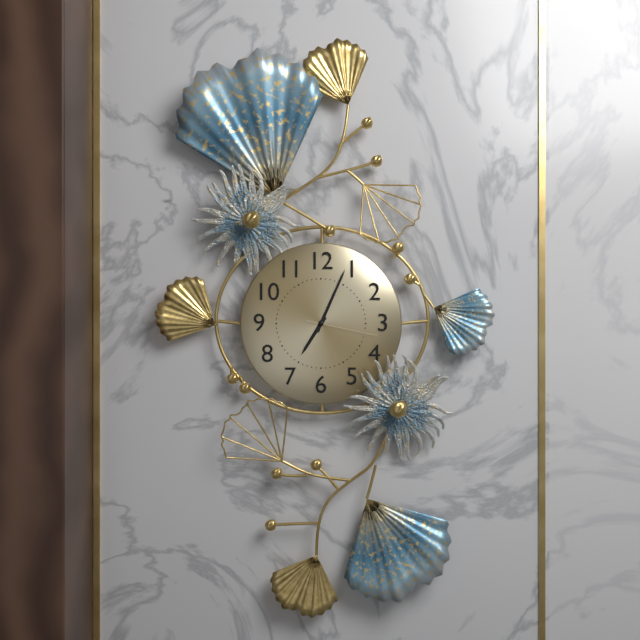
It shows {"hour": 7, "minute": 4, "second": 17}
